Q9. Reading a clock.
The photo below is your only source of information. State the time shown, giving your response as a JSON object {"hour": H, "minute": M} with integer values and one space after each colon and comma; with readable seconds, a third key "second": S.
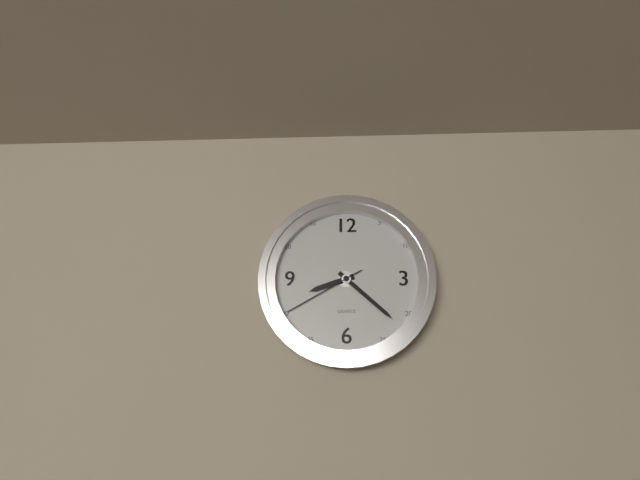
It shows {"hour": 8, "minute": 22, "second": 40}
